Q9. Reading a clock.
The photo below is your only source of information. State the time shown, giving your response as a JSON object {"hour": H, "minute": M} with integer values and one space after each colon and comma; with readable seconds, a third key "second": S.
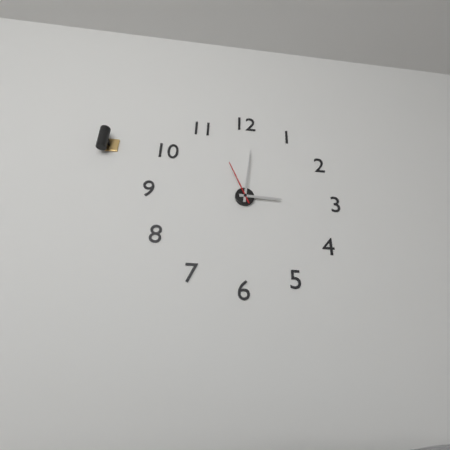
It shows {"hour": 3, "minute": 1}
